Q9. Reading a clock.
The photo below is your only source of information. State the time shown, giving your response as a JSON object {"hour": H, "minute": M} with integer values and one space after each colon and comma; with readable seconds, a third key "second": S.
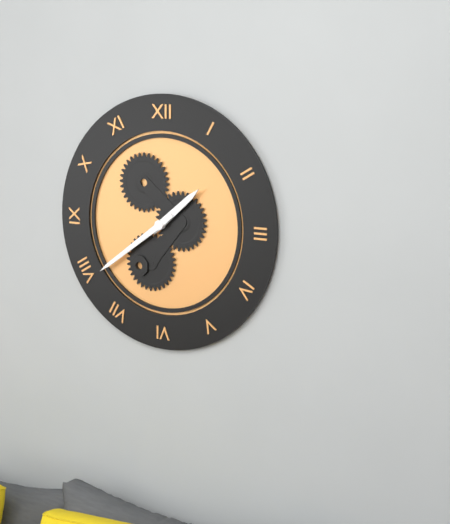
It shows {"hour": 1, "minute": 39}
